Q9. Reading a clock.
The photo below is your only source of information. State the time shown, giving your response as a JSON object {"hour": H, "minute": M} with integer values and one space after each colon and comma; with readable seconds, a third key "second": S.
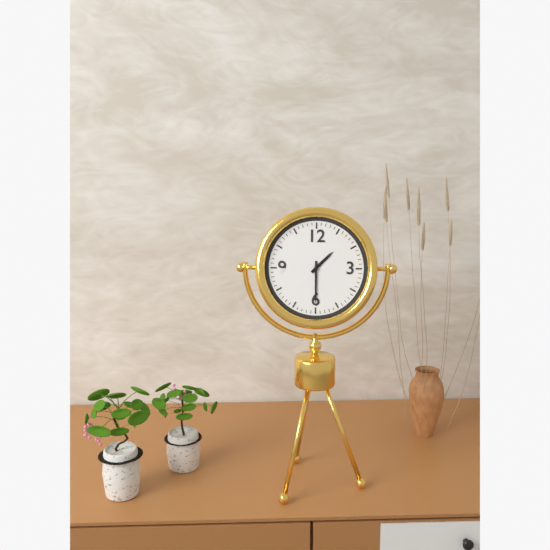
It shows {"hour": 1, "minute": 30}
